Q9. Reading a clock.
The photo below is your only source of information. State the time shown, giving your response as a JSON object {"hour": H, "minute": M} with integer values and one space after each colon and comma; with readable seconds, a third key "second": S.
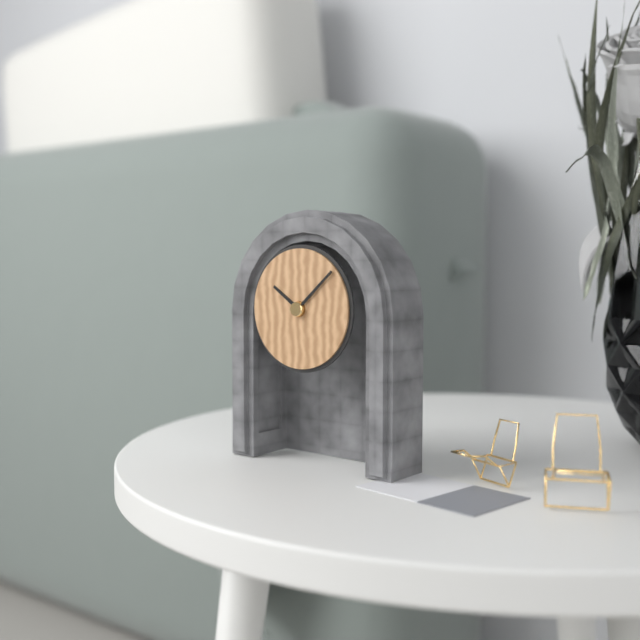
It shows {"hour": 10, "minute": 8}
